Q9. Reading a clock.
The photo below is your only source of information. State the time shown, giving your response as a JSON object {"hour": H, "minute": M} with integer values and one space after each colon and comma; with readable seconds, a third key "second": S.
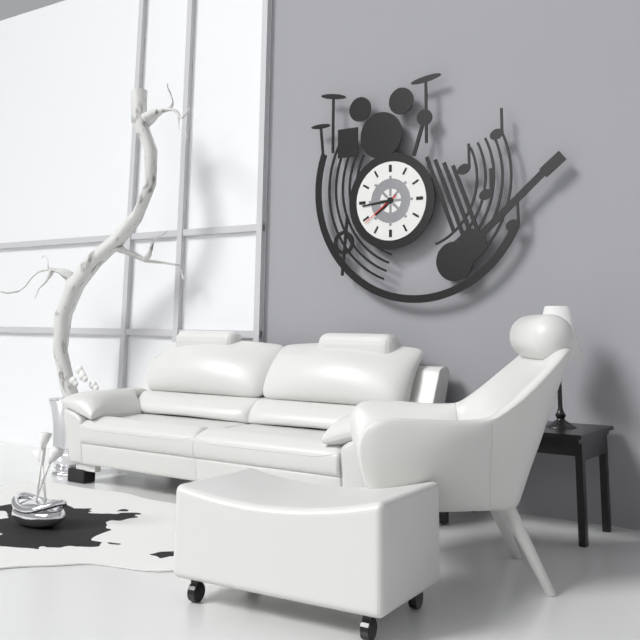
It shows {"hour": 7, "minute": 44}
